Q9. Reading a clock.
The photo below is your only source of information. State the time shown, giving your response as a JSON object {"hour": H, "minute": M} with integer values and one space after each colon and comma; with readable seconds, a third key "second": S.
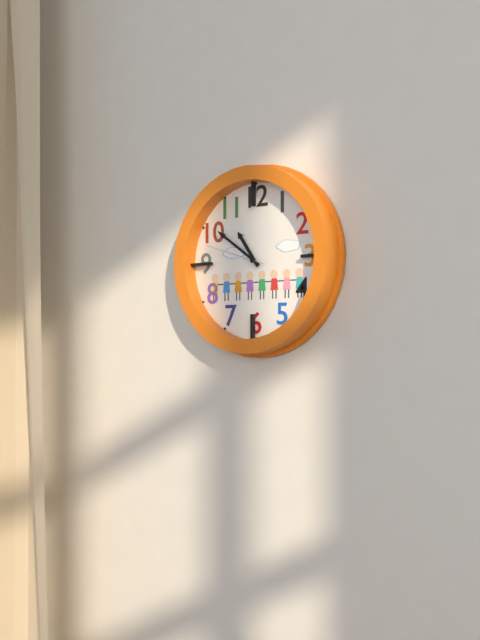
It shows {"hour": 10, "minute": 51, "second": 48}
